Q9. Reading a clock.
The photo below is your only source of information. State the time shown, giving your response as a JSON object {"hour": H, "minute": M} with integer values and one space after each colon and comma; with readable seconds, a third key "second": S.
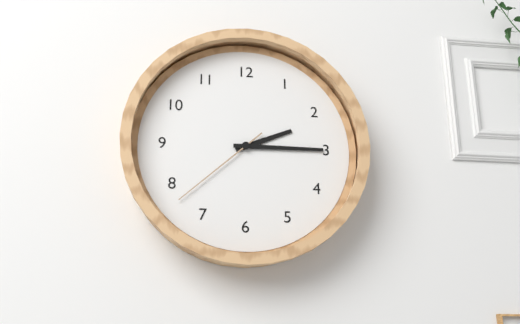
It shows {"hour": 2, "minute": 15, "second": 38}
